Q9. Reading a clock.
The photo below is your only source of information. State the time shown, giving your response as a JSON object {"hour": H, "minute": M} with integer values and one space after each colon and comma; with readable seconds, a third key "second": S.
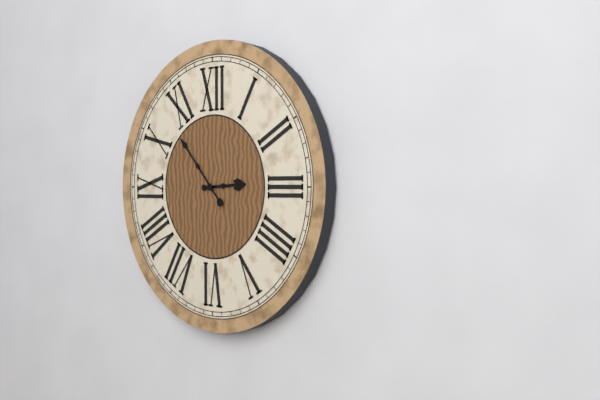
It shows {"hour": 2, "minute": 53}
